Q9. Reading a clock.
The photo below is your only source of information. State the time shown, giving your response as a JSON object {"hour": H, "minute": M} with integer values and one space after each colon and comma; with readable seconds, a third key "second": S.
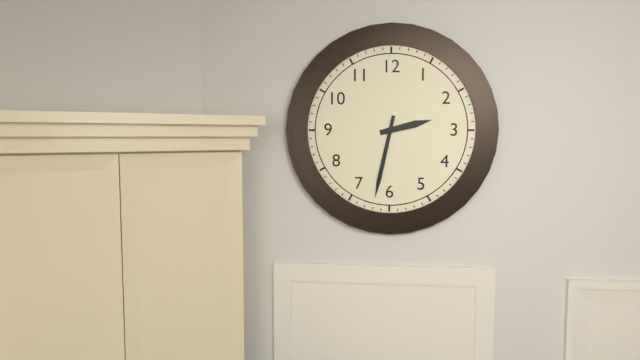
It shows {"hour": 2, "minute": 32}
